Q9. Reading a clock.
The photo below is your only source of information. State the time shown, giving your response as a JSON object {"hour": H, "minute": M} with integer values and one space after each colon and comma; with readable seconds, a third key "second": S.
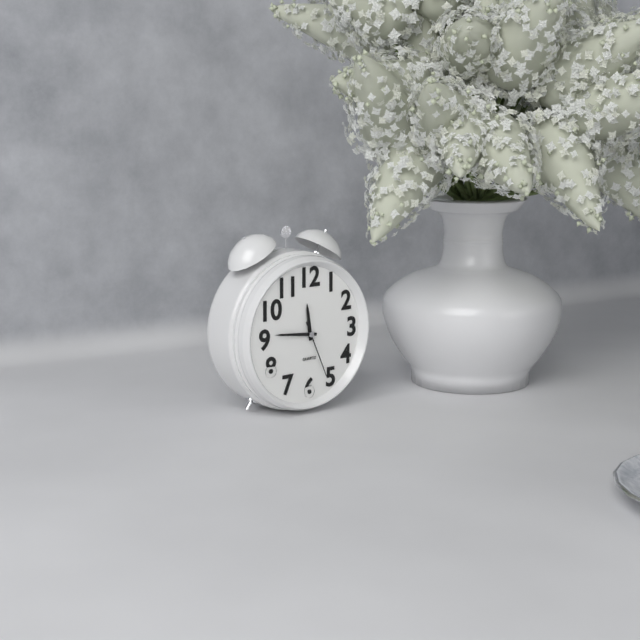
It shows {"hour": 11, "minute": 46, "second": 26}
